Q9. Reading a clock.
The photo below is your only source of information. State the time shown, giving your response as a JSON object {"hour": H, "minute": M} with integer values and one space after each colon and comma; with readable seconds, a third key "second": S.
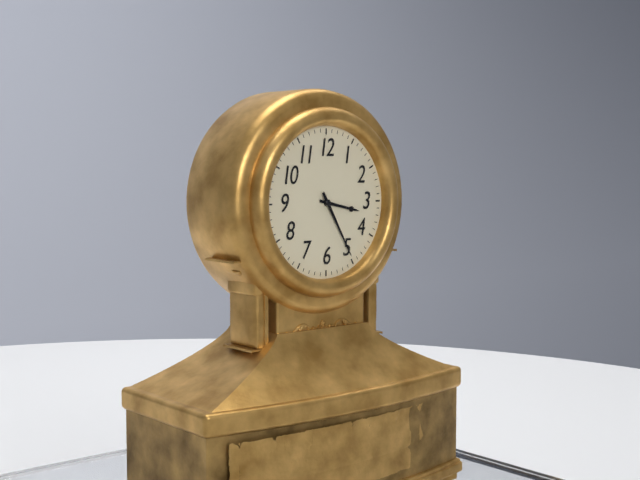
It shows {"hour": 3, "minute": 25}
